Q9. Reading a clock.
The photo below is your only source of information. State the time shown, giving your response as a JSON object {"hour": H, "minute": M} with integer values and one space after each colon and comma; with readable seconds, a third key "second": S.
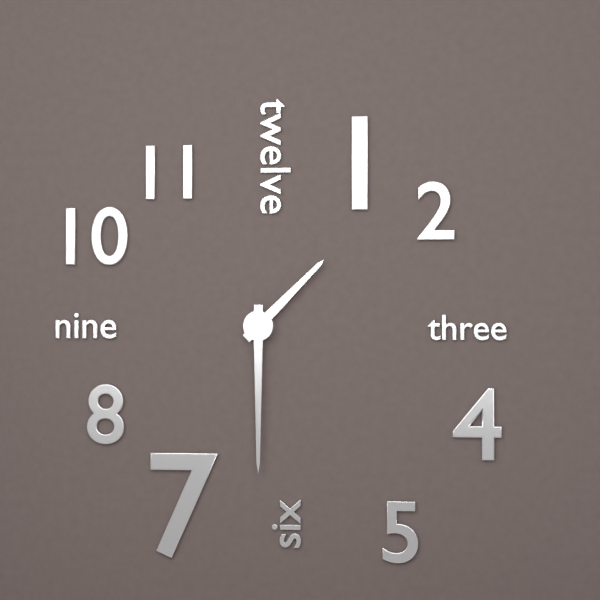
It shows {"hour": 1, "minute": 30}
